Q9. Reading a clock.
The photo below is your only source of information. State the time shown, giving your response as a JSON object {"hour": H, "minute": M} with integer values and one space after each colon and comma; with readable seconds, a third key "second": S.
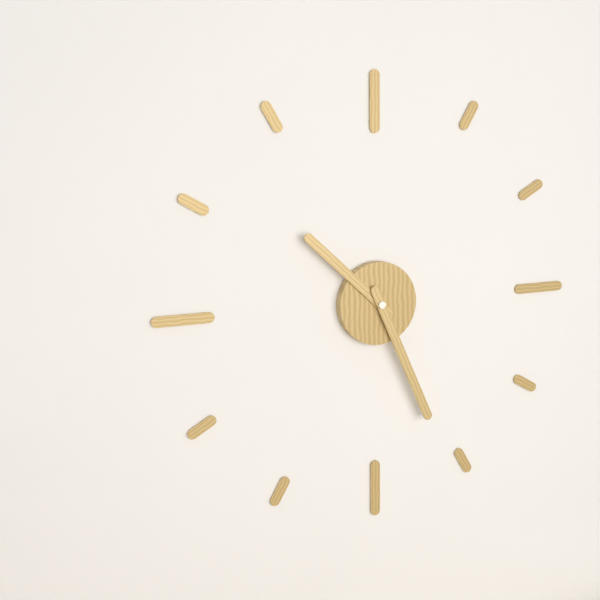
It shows {"hour": 10, "minute": 26}
